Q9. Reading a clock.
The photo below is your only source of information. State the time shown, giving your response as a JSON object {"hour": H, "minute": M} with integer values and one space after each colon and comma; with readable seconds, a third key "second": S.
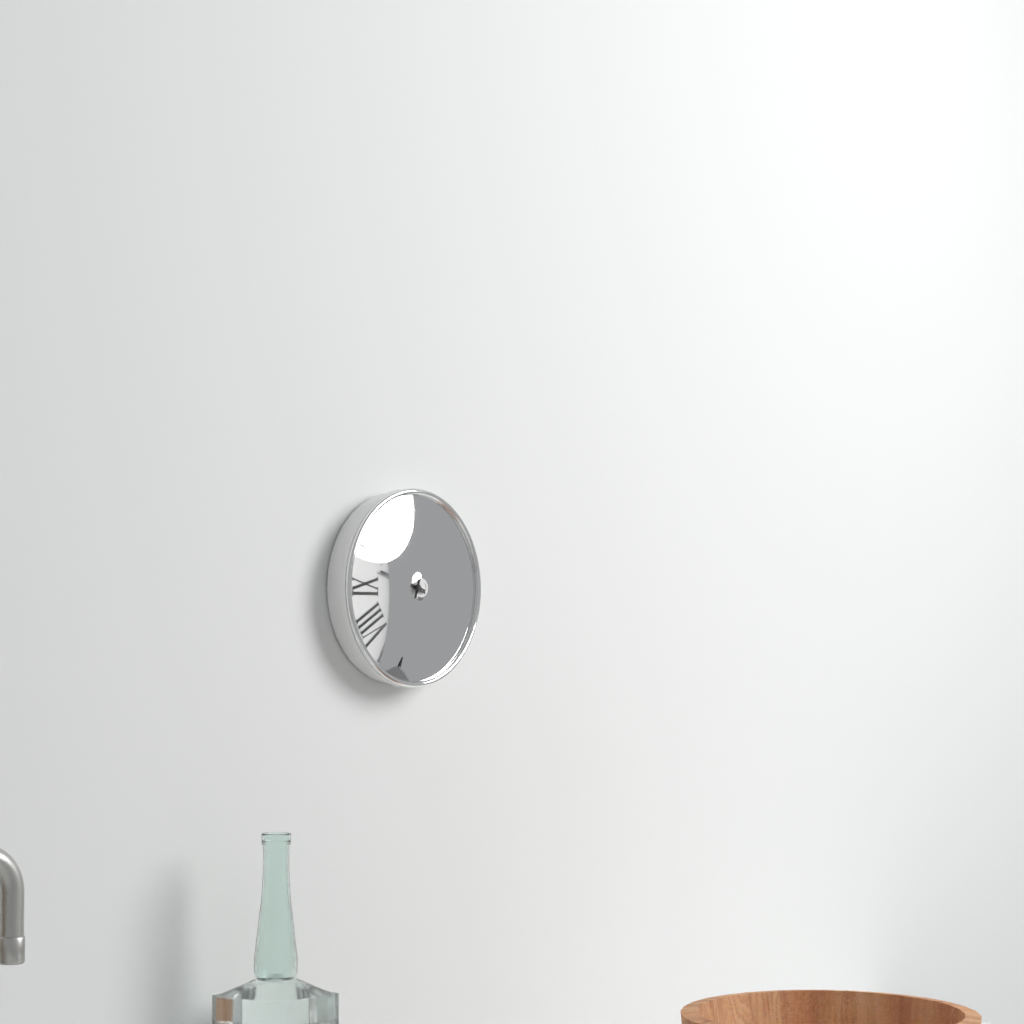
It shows {"hour": 9, "minute": 33}
